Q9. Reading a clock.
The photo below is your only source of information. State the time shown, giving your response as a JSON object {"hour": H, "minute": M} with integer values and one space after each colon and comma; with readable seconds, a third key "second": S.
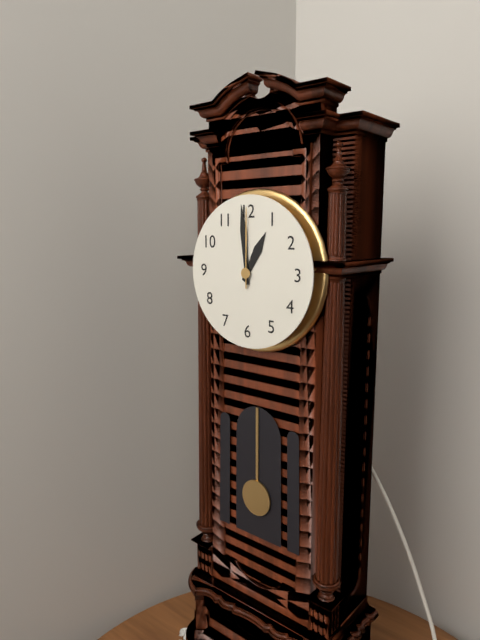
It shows {"hour": 12, "minute": 59, "second": 0}
